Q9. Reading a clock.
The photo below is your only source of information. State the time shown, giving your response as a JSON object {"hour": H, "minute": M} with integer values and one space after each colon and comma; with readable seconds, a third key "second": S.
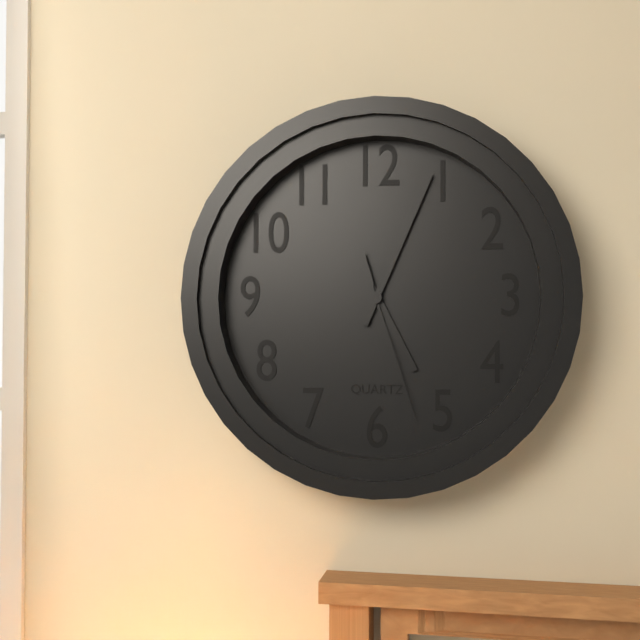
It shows {"hour": 5, "minute": 4, "second": 27}
